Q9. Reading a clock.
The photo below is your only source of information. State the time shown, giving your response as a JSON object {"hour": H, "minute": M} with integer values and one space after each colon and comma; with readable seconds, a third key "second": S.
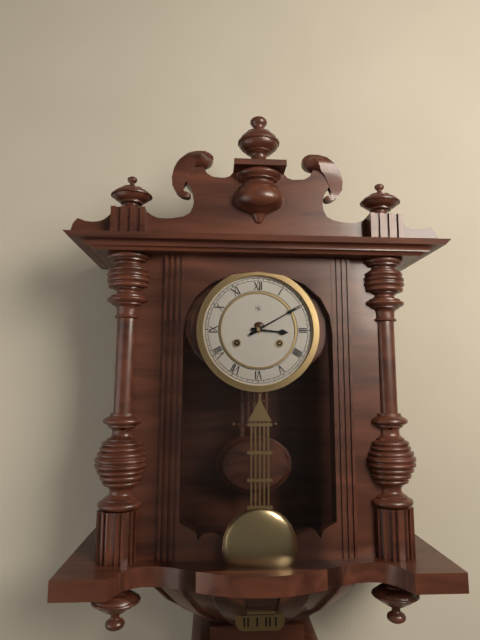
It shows {"hour": 3, "minute": 10}
